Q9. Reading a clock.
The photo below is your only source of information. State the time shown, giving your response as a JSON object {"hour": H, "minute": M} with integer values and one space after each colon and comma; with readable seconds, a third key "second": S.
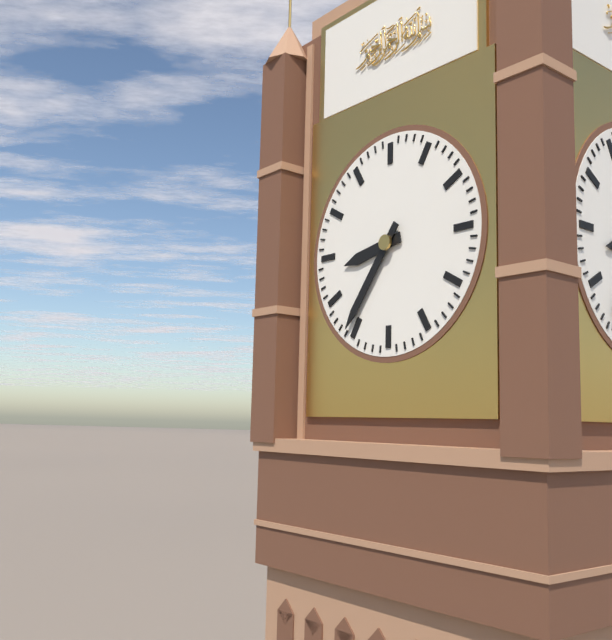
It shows {"hour": 8, "minute": 36}
